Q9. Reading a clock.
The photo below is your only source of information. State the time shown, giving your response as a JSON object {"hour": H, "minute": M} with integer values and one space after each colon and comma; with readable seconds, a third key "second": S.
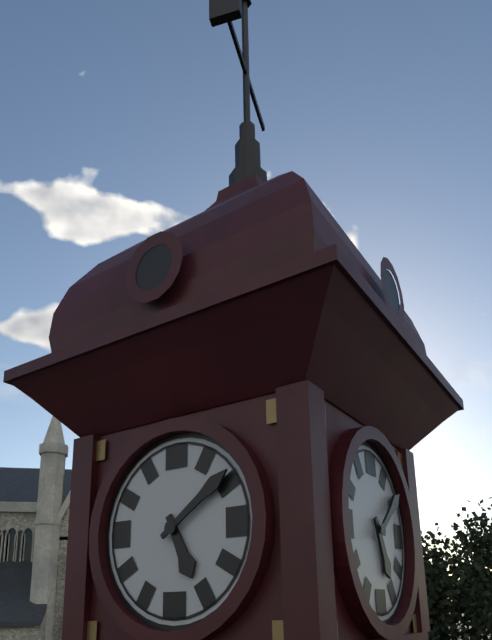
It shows {"hour": 5, "minute": 9}
